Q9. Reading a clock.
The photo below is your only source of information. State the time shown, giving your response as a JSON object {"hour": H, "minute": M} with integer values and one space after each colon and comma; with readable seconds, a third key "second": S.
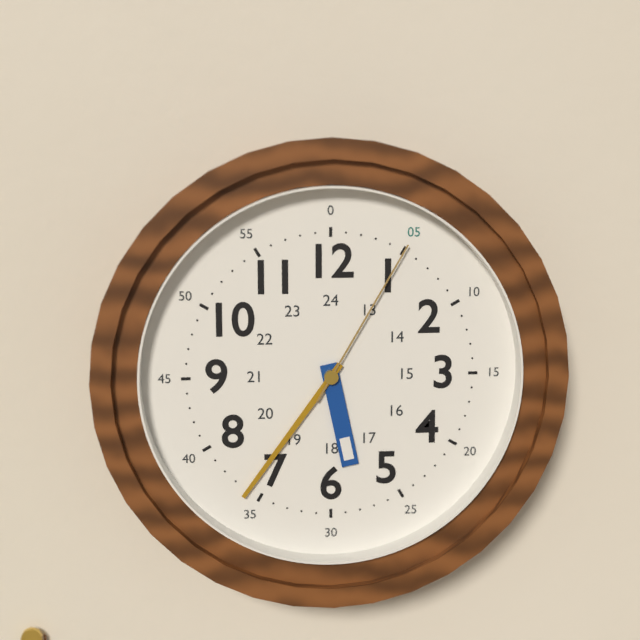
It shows {"hour": 5, "minute": 36, "second": 5}
